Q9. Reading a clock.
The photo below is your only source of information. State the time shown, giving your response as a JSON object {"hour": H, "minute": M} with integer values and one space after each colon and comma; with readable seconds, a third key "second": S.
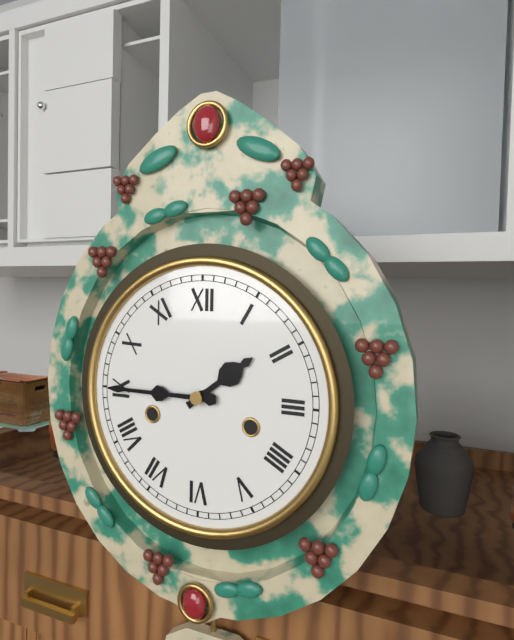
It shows {"hour": 1, "minute": 45}
